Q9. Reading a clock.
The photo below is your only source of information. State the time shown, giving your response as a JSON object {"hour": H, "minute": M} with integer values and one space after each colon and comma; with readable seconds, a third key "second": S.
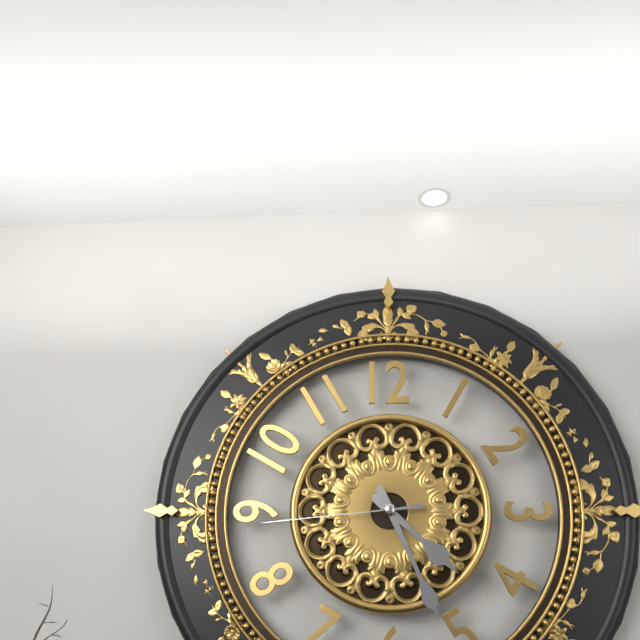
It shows {"hour": 4, "minute": 26, "second": 44}
